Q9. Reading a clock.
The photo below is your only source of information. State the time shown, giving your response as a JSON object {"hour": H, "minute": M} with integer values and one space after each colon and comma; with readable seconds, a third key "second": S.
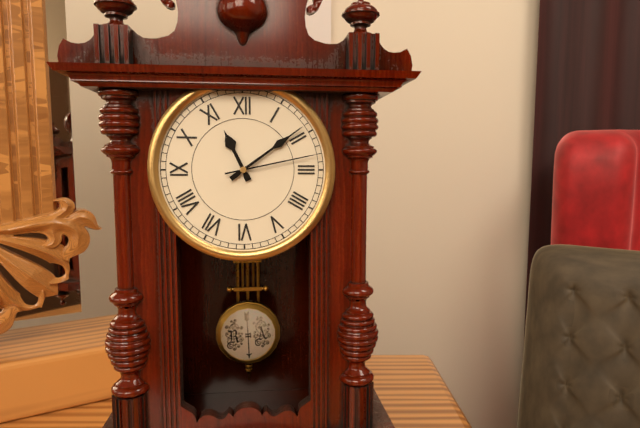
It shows {"hour": 11, "minute": 9, "second": 13}
